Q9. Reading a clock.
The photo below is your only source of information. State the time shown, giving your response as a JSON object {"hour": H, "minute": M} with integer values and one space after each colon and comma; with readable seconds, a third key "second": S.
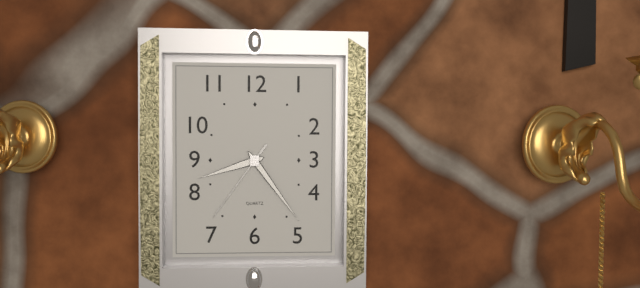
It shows {"hour": 8, "minute": 24, "second": 36}
